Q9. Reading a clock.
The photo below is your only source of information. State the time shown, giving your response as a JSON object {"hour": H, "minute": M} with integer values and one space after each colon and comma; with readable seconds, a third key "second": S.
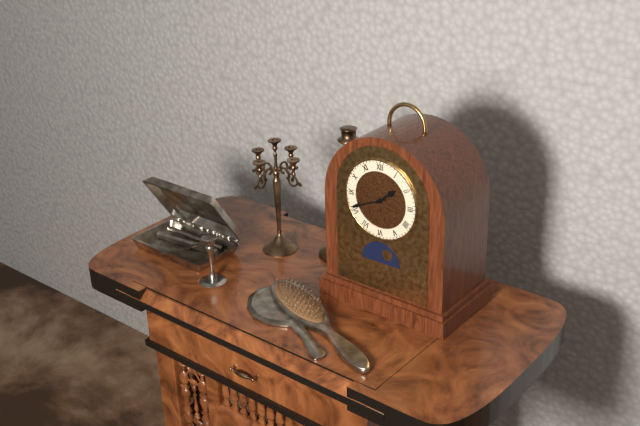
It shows {"hour": 1, "minute": 41}
